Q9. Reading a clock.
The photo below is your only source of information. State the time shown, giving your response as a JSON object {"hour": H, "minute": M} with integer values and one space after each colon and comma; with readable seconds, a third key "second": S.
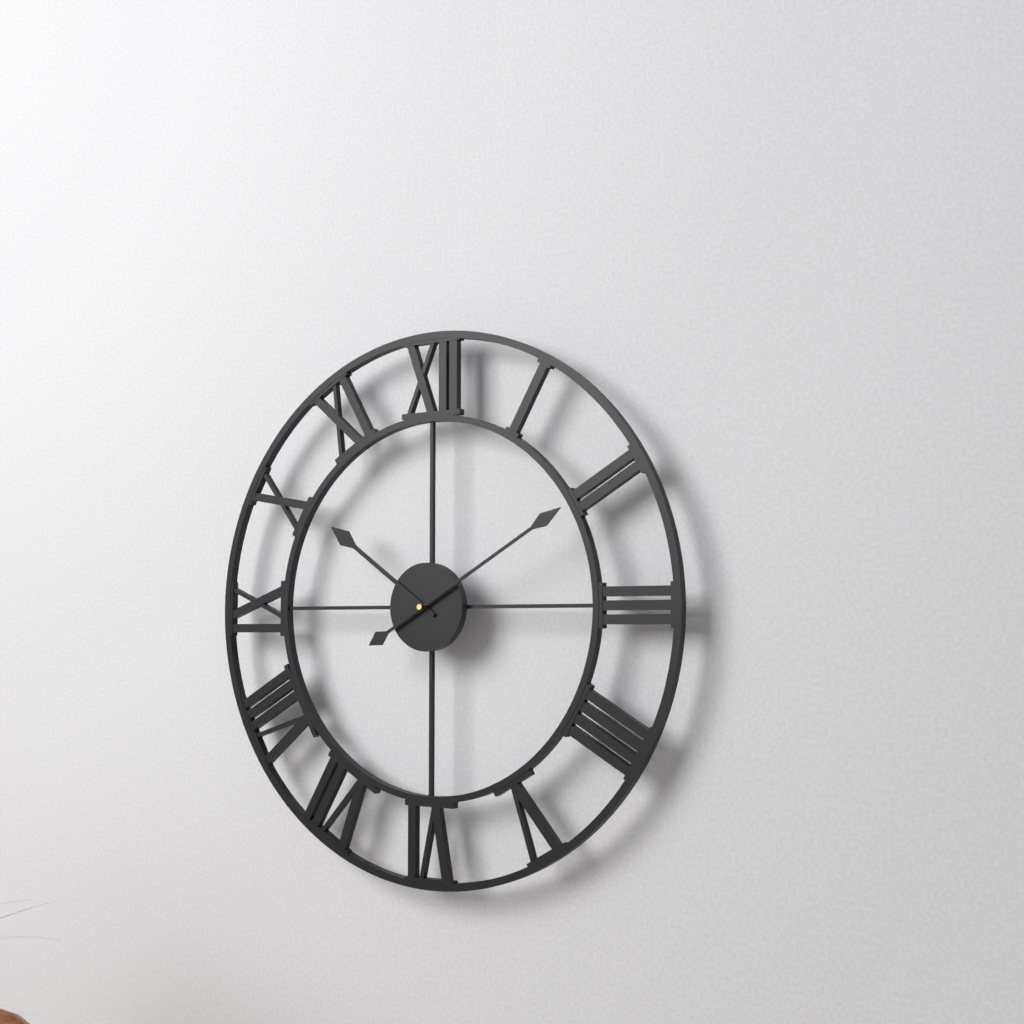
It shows {"hour": 10, "minute": 10}
